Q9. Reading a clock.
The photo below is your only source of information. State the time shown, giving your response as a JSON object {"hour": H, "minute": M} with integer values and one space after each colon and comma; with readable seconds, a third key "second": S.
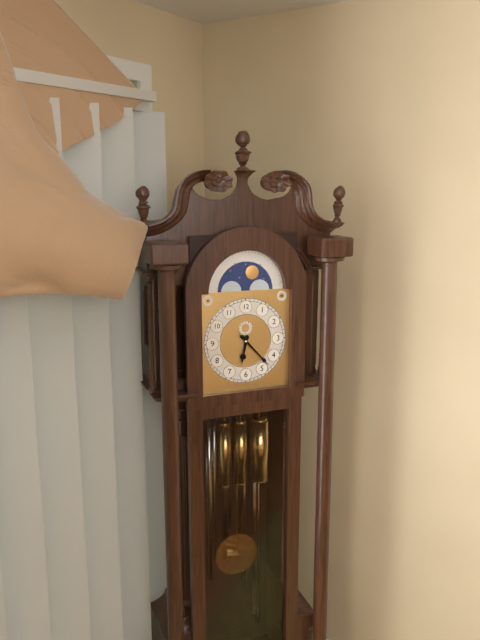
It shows {"hour": 6, "minute": 23}
